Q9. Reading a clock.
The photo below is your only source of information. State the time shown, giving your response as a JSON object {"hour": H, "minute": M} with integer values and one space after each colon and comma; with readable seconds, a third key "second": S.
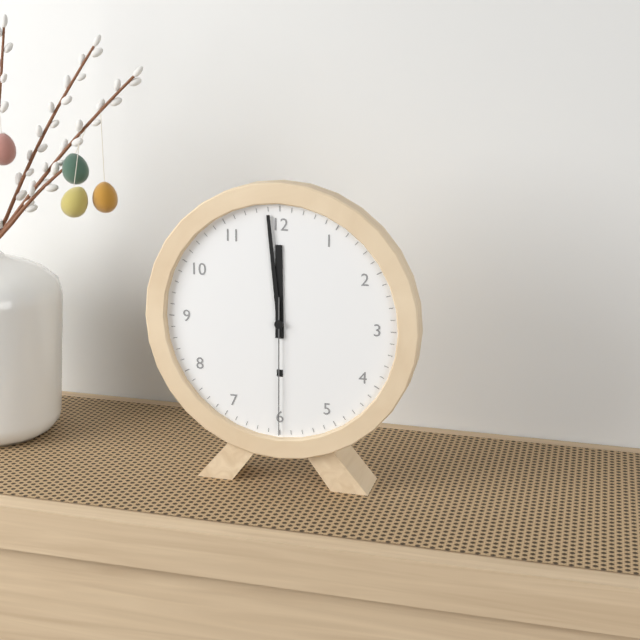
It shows {"hour": 11, "minute": 59, "second": 30}
